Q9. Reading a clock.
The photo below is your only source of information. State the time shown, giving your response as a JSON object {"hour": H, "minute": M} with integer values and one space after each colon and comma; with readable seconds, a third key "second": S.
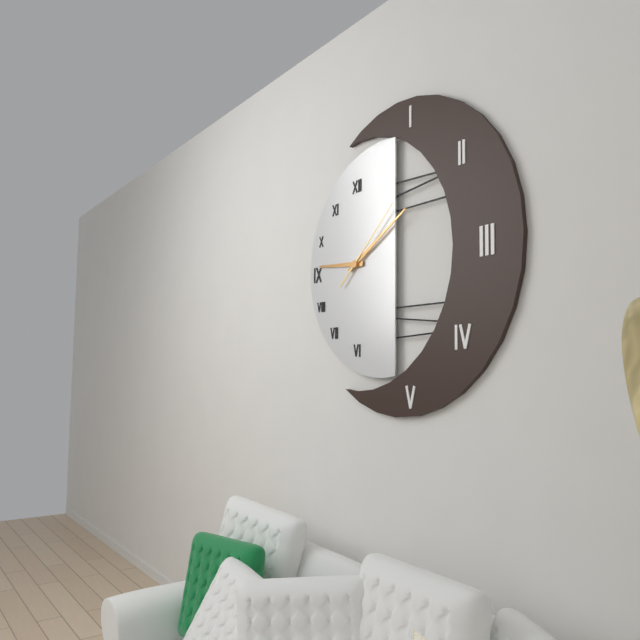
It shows {"hour": 9, "minute": 10, "second": 8}
